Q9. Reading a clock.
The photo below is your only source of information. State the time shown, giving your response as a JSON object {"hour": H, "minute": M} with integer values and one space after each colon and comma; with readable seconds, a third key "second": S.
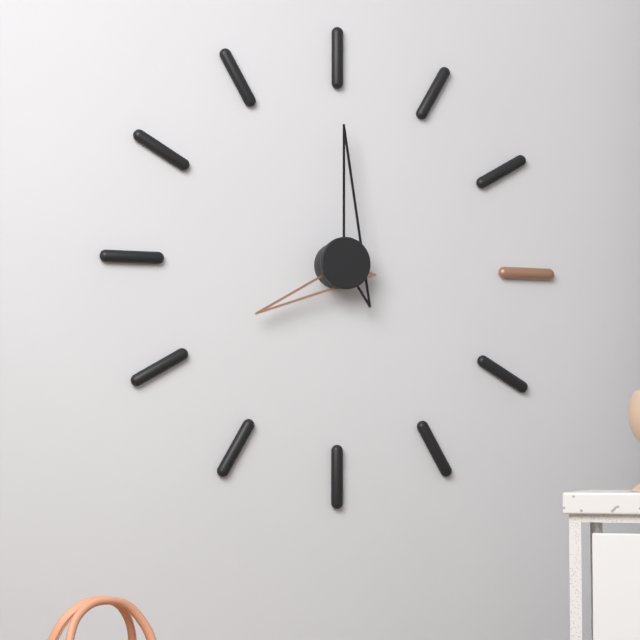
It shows {"hour": 8, "minute": 0}
